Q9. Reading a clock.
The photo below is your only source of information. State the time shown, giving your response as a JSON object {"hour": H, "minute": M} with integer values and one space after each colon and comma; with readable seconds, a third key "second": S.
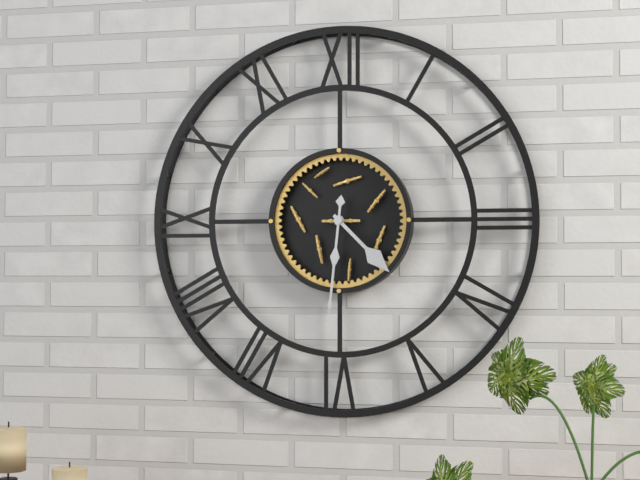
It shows {"hour": 4, "minute": 31}
